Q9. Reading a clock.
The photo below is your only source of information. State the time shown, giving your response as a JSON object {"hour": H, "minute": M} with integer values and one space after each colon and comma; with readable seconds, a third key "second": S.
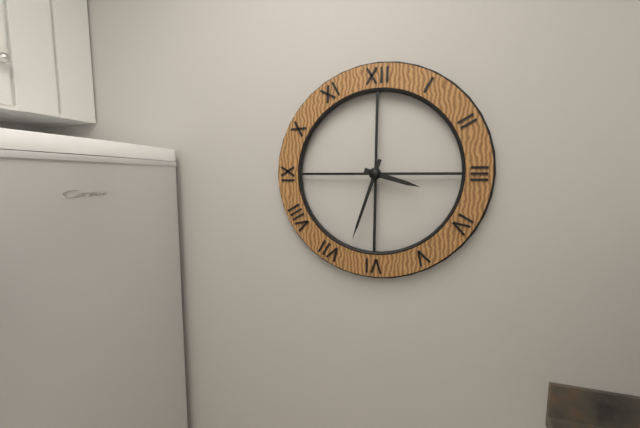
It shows {"hour": 3, "minute": 33}
